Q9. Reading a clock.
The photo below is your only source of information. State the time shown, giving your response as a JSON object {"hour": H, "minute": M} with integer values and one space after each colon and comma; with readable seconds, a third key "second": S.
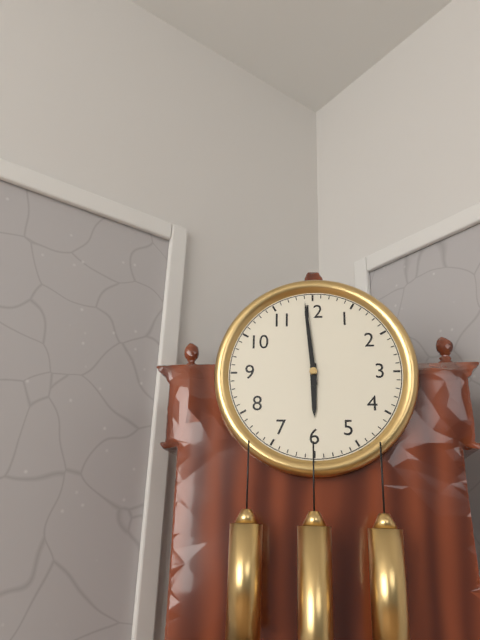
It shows {"hour": 5, "minute": 59}
